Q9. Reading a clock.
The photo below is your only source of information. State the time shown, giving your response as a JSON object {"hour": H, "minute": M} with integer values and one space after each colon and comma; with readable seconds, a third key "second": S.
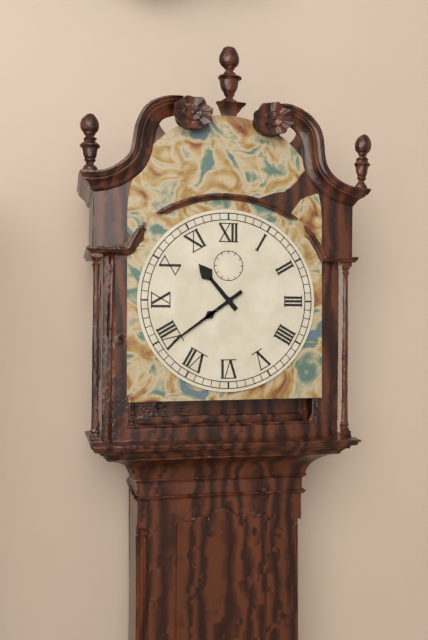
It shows {"hour": 10, "minute": 39}
